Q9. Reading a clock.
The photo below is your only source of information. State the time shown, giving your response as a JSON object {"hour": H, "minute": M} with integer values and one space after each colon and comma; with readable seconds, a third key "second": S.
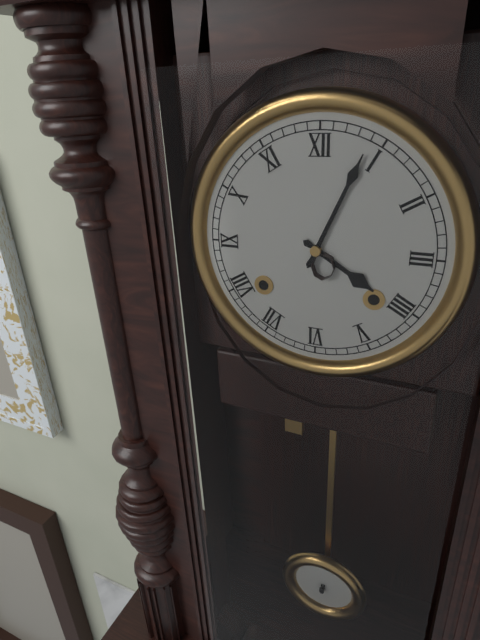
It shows {"hour": 4, "minute": 4}
